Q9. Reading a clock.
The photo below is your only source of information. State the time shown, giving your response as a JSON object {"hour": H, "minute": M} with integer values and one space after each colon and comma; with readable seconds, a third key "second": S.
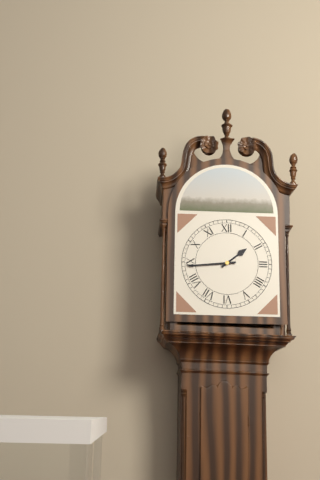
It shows {"hour": 1, "minute": 44}
